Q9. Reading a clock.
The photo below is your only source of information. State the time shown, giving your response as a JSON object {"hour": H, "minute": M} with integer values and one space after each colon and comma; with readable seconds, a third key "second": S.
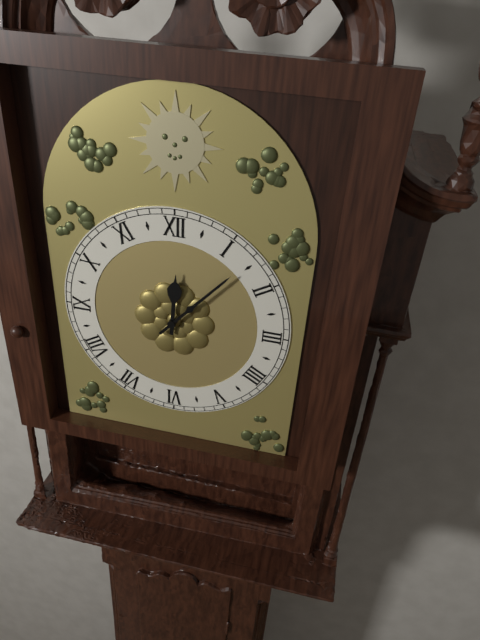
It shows {"hour": 12, "minute": 7}
